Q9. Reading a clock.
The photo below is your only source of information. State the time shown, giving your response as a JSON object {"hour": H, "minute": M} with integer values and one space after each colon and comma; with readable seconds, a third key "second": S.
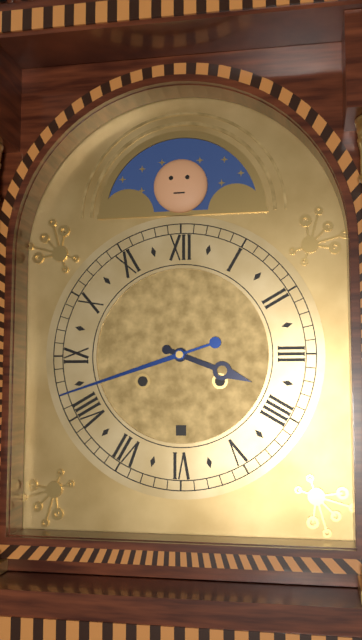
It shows {"hour": 3, "minute": 42}
